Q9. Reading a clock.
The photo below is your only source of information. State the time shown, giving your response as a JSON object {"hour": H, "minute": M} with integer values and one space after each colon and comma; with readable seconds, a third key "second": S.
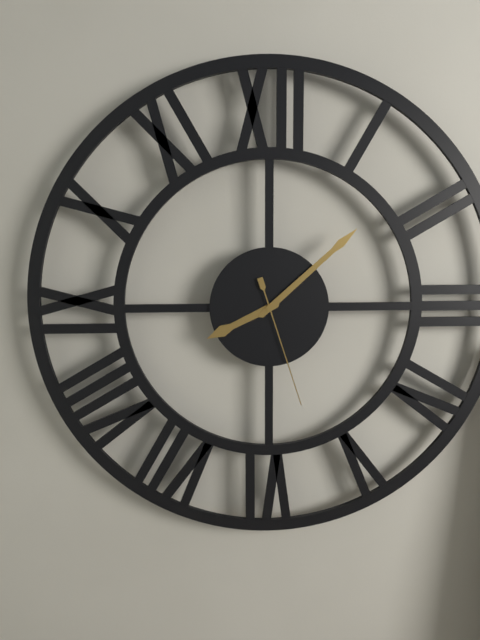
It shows {"hour": 8, "minute": 8, "second": 27}
